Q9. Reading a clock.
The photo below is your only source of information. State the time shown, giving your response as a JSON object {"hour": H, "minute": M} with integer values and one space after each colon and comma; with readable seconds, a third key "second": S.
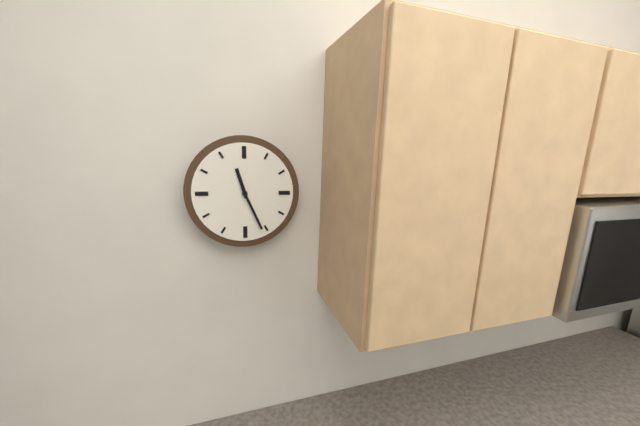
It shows {"hour": 11, "minute": 26}
